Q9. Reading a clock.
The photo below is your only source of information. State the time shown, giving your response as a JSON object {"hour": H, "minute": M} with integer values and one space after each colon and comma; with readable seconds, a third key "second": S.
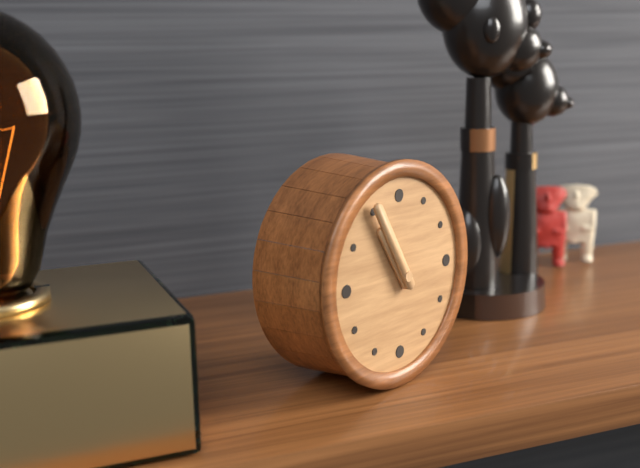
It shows {"hour": 10, "minute": 55}
